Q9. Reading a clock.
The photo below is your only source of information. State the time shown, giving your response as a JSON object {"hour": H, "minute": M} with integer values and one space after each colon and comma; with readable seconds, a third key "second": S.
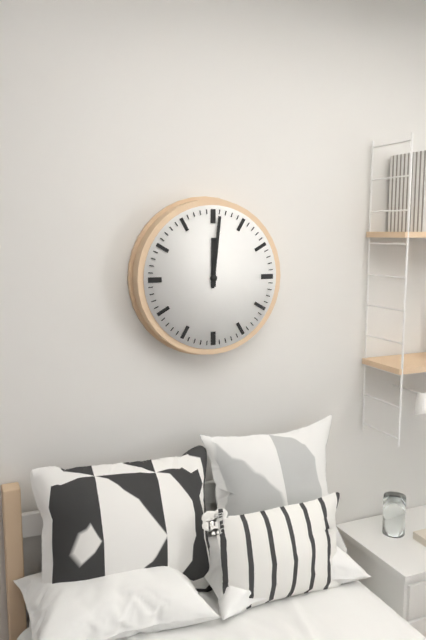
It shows {"hour": 12, "minute": 1}
